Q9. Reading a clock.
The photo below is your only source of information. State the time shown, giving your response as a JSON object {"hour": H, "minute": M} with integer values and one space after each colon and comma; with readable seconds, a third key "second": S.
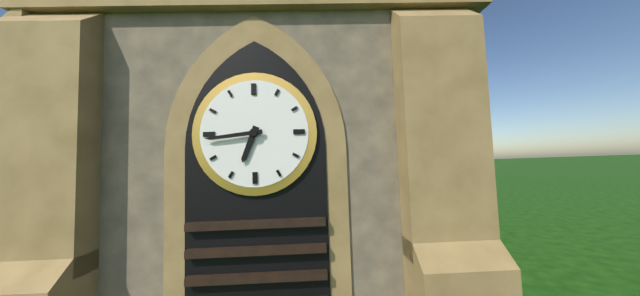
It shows {"hour": 6, "minute": 44}
